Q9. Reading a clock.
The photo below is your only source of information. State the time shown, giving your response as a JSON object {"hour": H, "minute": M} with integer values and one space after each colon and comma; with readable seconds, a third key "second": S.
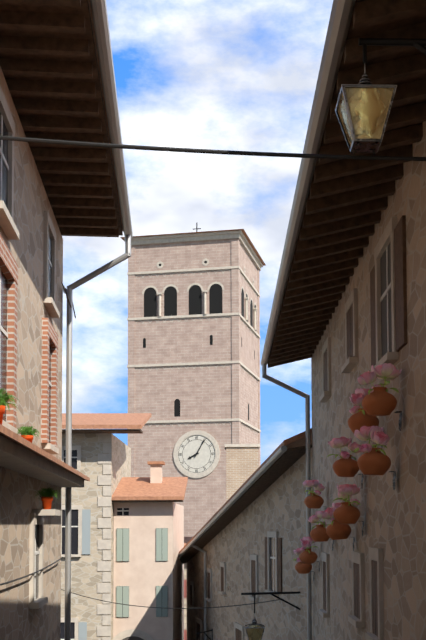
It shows {"hour": 8, "minute": 5}
